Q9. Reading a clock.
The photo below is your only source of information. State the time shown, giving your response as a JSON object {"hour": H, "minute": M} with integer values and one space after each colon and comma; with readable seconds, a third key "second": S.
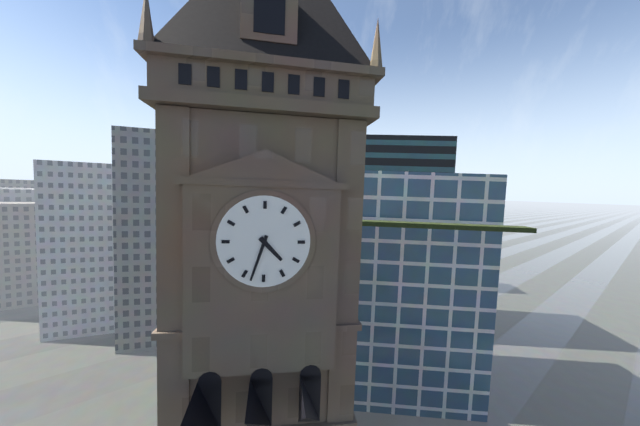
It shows {"hour": 4, "minute": 33}
